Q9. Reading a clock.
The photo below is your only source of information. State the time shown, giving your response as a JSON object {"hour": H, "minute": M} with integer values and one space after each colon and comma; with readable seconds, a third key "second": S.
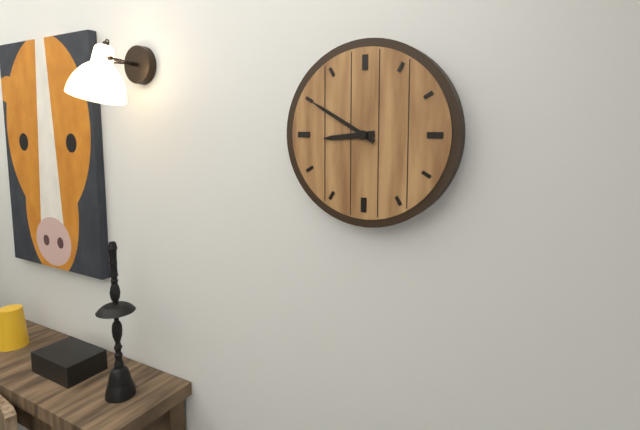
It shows {"hour": 8, "minute": 50}
